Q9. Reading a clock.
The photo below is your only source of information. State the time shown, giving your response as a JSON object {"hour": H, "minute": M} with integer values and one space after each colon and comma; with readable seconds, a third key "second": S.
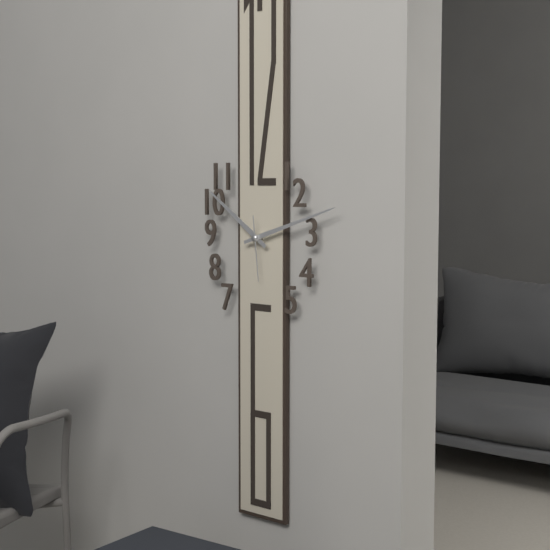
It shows {"hour": 10, "minute": 12, "second": 29}
